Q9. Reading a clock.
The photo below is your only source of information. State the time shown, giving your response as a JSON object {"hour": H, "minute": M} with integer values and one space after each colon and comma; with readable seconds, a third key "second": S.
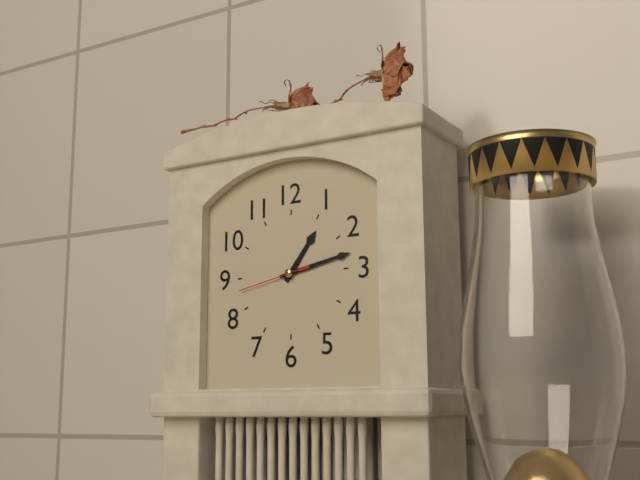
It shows {"hour": 1, "minute": 13, "second": 43}
